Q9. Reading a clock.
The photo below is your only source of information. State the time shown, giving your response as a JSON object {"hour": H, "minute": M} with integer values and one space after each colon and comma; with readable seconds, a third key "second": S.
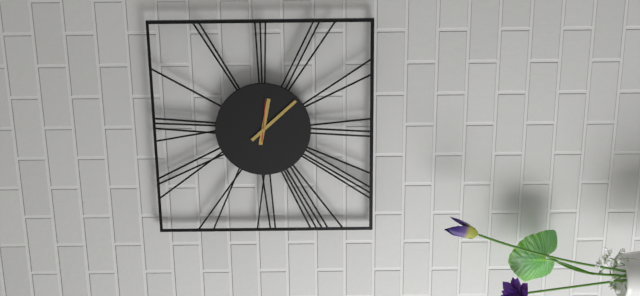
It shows {"hour": 3, "minute": 23}
